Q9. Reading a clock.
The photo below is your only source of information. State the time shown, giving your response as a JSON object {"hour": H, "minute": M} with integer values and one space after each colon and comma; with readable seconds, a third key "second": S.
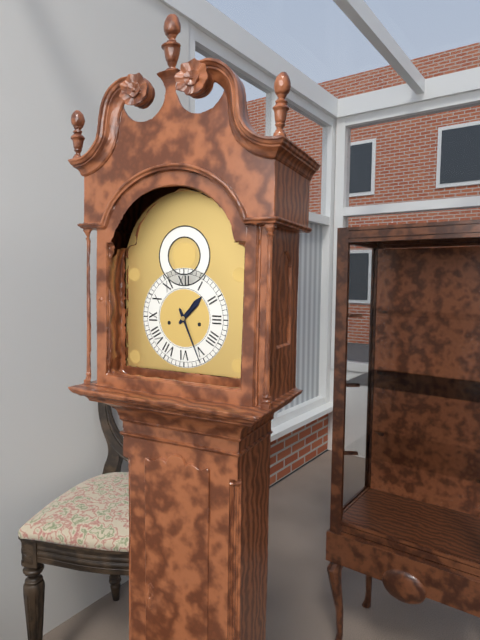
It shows {"hour": 1, "minute": 26}
